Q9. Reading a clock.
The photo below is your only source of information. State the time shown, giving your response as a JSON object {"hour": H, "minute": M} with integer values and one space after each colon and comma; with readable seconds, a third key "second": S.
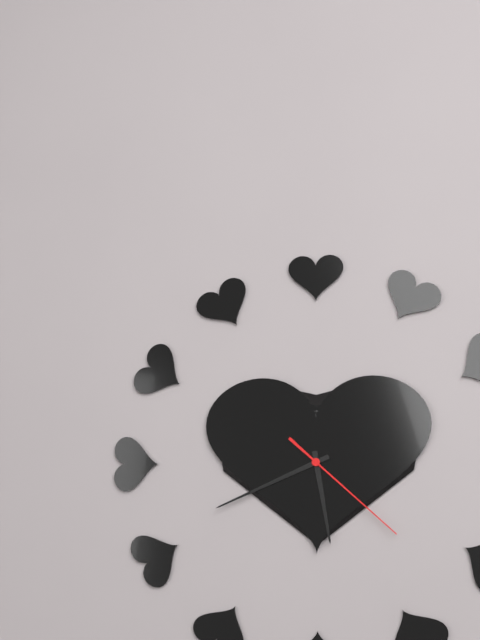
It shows {"hour": 5, "minute": 41, "second": 22}
